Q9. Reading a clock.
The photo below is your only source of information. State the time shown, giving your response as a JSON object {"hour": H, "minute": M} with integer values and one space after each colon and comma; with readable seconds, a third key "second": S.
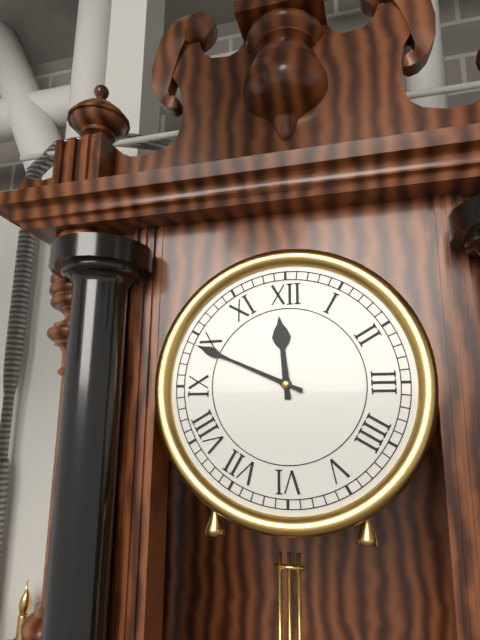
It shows {"hour": 11, "minute": 49}
